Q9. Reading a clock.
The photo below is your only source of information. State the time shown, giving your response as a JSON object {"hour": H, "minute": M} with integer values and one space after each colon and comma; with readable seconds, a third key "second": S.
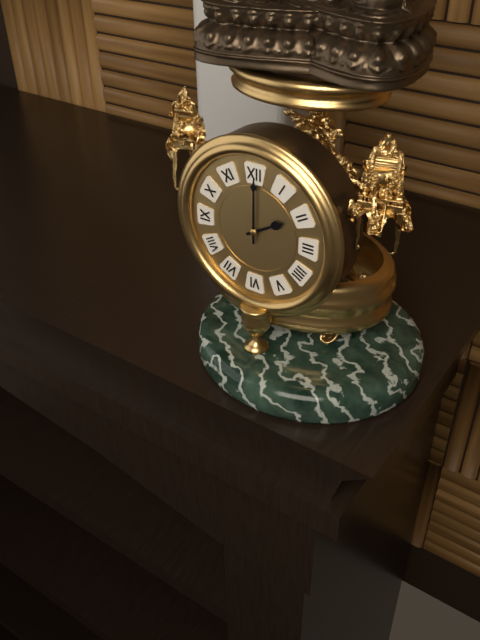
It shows {"hour": 2, "minute": 0}
